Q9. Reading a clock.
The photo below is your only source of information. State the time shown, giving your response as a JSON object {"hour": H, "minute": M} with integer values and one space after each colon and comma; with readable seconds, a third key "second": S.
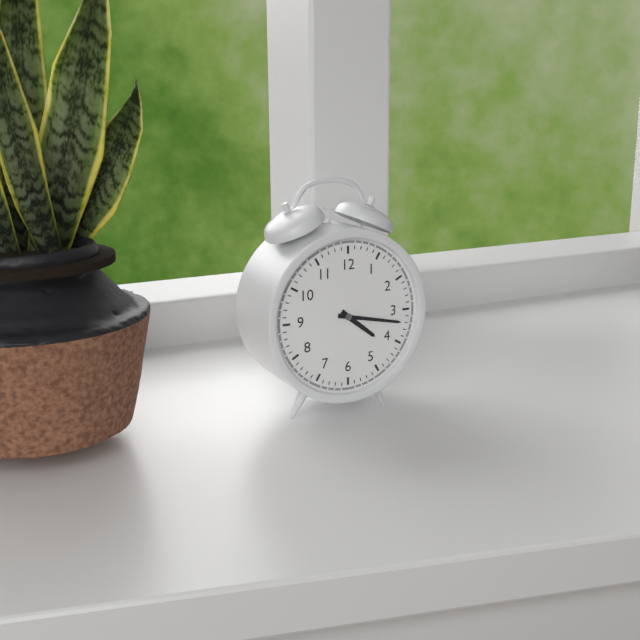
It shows {"hour": 4, "minute": 17}
